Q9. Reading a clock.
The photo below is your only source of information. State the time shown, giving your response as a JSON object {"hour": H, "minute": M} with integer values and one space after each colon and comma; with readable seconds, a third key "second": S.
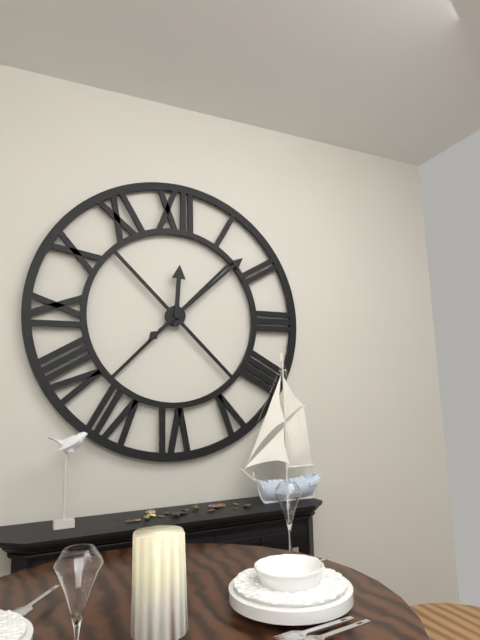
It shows {"hour": 12, "minute": 8}
